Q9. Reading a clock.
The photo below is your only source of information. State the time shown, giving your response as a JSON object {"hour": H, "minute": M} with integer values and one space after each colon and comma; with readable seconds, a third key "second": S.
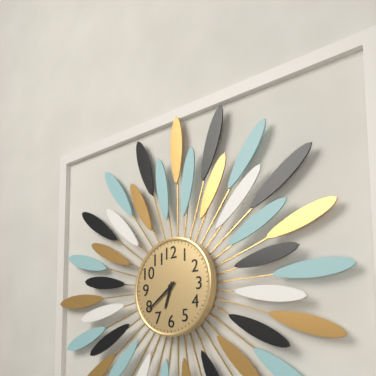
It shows {"hour": 6, "minute": 39}
